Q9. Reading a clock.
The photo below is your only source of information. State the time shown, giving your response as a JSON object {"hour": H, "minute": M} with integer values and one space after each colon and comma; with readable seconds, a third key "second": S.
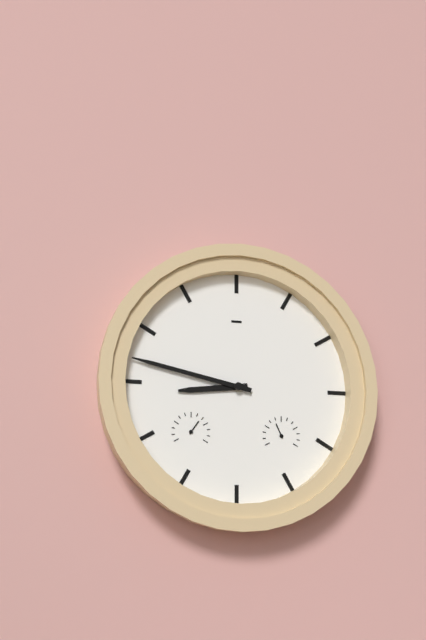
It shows {"hour": 8, "minute": 47}
